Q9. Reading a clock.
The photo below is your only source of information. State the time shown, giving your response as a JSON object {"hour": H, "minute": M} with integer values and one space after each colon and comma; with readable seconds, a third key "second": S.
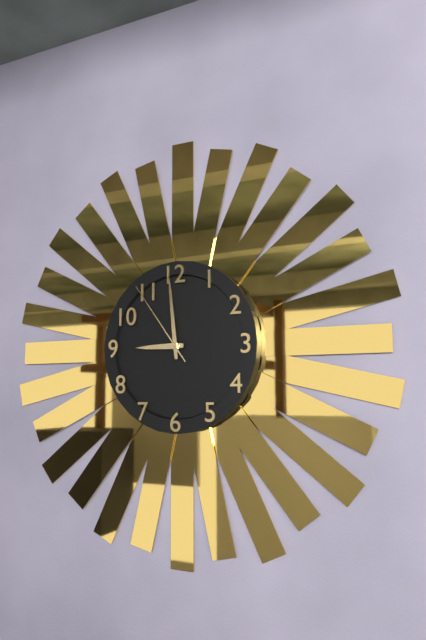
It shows {"hour": 8, "minute": 59, "second": 54}
